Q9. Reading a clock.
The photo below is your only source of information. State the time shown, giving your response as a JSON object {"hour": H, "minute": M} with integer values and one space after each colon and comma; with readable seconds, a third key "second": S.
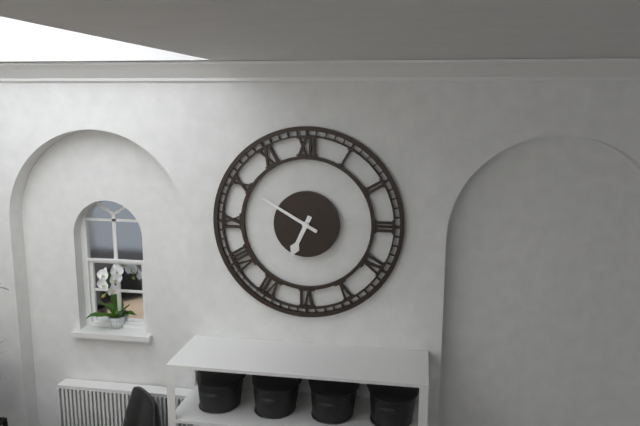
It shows {"hour": 6, "minute": 50}
